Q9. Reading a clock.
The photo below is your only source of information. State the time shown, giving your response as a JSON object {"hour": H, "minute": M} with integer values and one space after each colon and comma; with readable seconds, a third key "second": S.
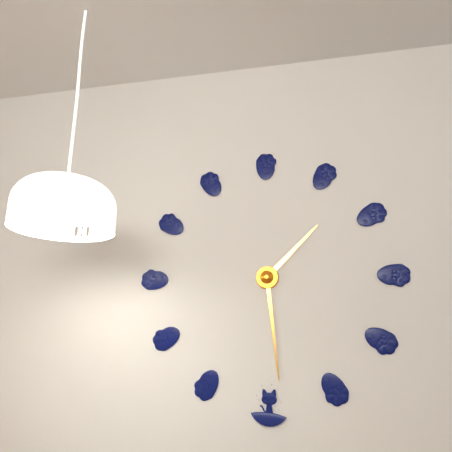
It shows {"hour": 1, "minute": 29}
